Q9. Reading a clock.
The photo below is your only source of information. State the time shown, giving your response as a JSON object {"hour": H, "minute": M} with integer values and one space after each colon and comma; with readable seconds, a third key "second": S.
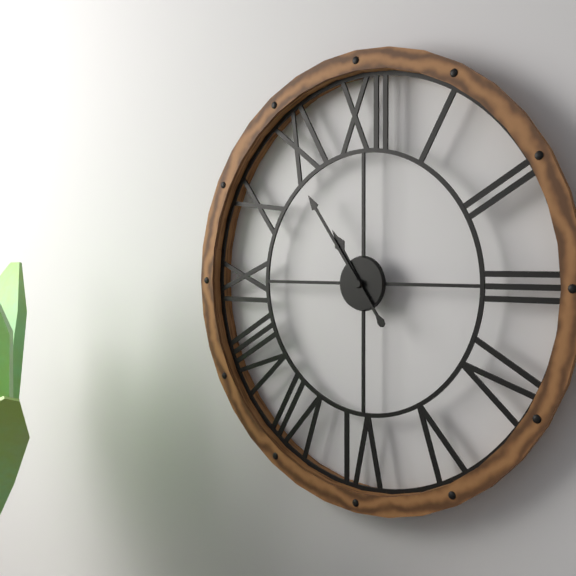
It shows {"hour": 10, "minute": 54}
